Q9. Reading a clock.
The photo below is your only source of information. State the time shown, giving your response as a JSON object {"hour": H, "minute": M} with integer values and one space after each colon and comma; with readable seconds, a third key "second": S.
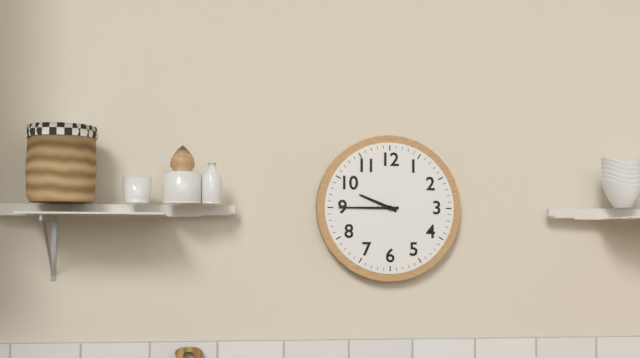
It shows {"hour": 9, "minute": 45}
